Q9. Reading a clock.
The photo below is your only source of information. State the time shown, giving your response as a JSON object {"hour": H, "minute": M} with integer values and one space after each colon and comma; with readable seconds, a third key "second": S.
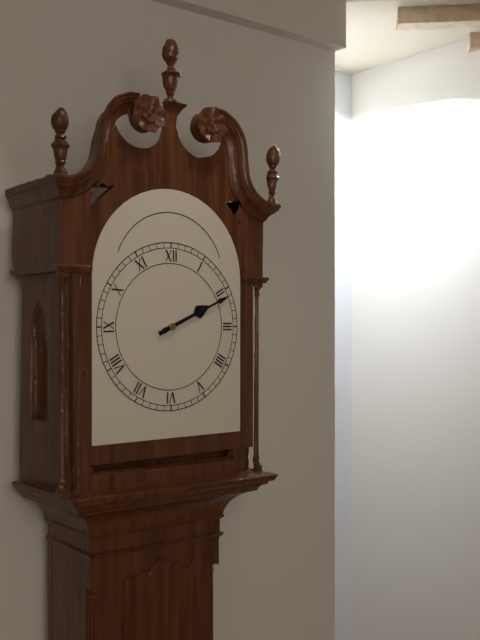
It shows {"hour": 2, "minute": 11}
